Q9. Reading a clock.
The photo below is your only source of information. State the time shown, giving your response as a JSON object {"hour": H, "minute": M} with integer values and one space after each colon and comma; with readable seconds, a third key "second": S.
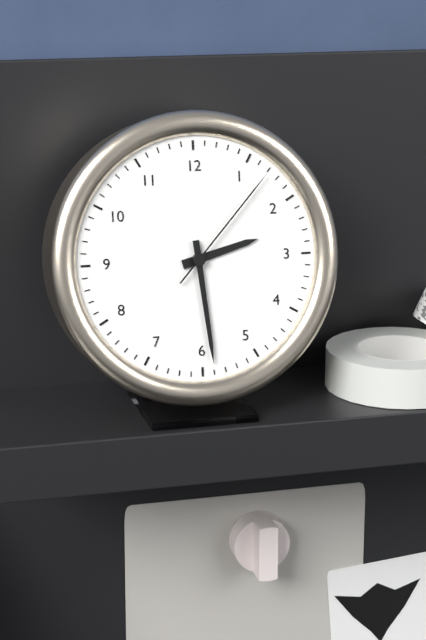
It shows {"hour": 2, "minute": 29, "second": 7}
